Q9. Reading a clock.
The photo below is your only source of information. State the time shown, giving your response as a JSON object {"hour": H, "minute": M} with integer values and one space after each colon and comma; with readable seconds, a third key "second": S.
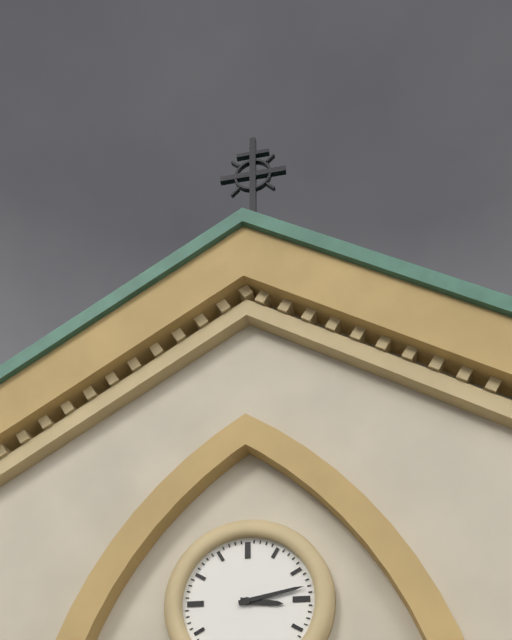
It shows {"hour": 3, "minute": 13}
